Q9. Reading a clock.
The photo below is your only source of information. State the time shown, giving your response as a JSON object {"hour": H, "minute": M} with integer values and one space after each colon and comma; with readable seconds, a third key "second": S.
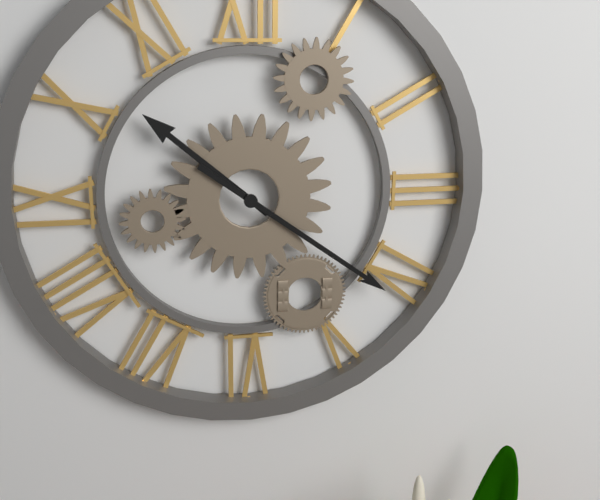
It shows {"hour": 10, "minute": 21}
